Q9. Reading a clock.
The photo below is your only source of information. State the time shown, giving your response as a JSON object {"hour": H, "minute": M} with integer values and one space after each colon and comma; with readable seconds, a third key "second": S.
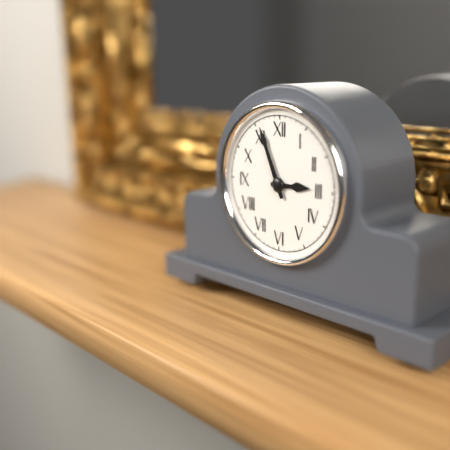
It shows {"hour": 2, "minute": 56}
